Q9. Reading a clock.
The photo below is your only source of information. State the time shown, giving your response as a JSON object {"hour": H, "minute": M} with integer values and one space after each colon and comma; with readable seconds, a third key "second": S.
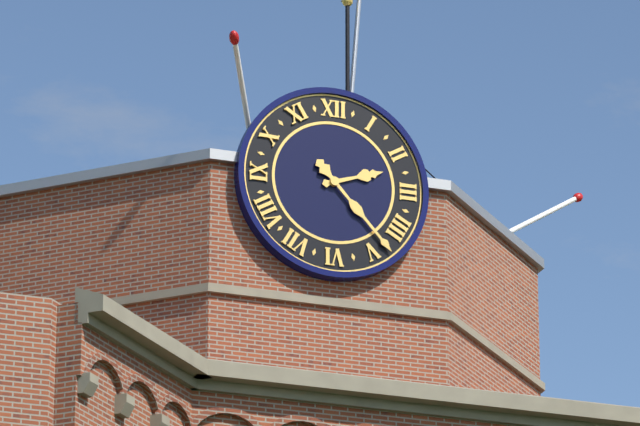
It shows {"hour": 2, "minute": 23}
